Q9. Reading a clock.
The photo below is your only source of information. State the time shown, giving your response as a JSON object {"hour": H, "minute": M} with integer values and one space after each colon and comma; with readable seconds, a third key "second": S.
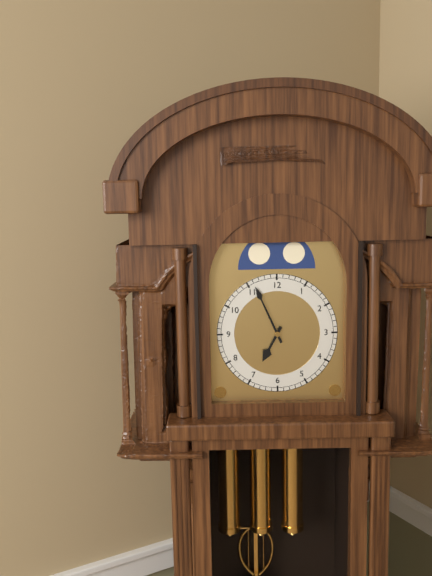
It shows {"hour": 6, "minute": 56}
